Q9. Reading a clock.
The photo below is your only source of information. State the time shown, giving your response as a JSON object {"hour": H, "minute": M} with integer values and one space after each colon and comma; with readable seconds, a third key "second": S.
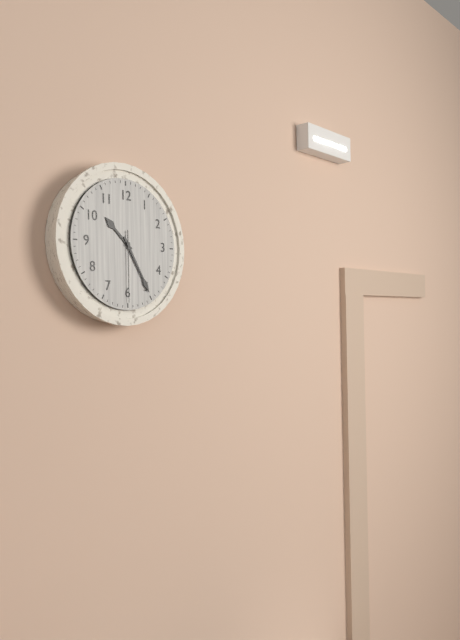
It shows {"hour": 10, "minute": 25, "second": 30}
